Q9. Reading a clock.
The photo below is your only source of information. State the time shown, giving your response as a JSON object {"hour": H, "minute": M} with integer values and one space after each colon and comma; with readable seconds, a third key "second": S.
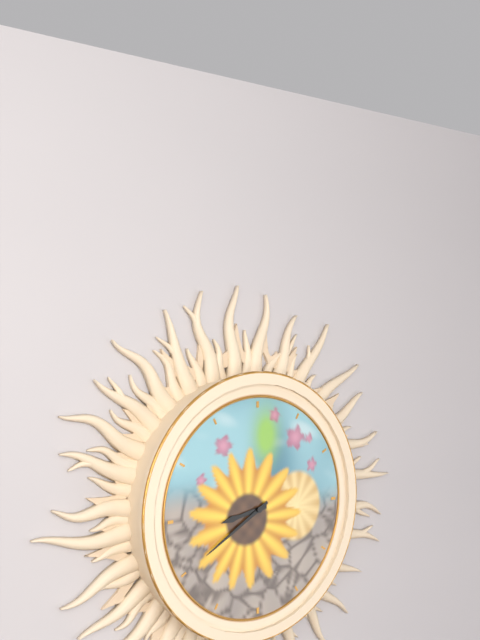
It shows {"hour": 8, "minute": 40}
